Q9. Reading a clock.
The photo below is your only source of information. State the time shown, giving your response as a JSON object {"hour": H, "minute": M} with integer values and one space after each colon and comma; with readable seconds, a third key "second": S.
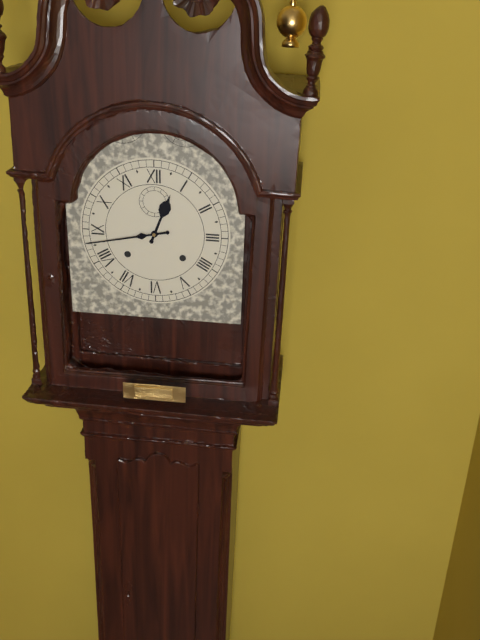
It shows {"hour": 12, "minute": 43}
